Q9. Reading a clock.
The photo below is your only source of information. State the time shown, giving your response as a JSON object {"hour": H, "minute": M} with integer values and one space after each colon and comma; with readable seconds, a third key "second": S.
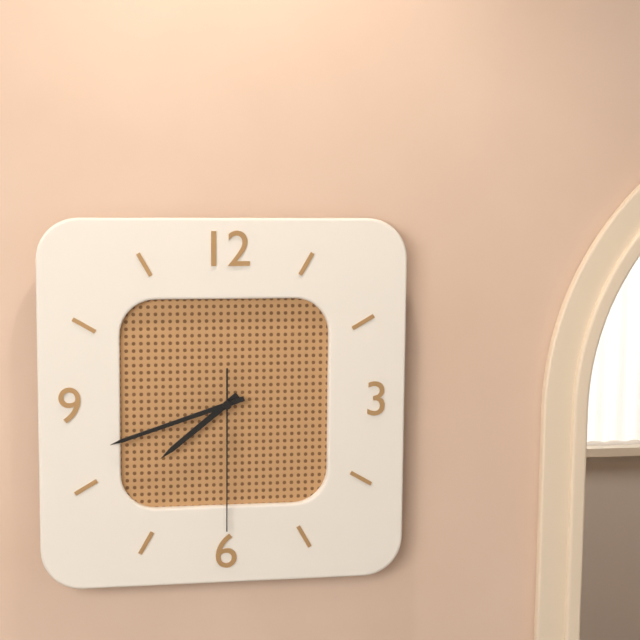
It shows {"hour": 7, "minute": 42, "second": 30}
